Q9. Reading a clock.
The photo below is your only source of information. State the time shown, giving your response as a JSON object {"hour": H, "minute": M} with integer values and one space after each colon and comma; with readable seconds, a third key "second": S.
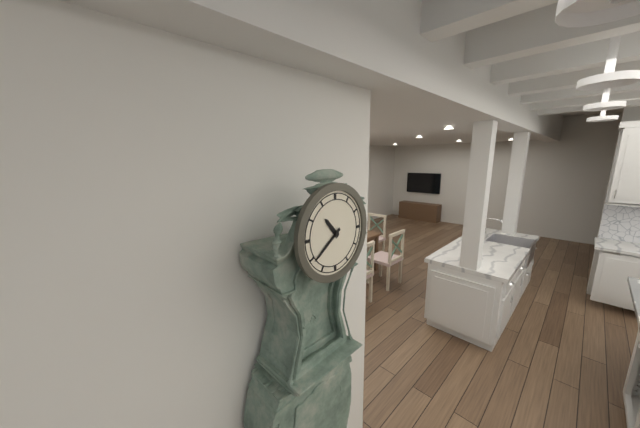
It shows {"hour": 10, "minute": 39}
